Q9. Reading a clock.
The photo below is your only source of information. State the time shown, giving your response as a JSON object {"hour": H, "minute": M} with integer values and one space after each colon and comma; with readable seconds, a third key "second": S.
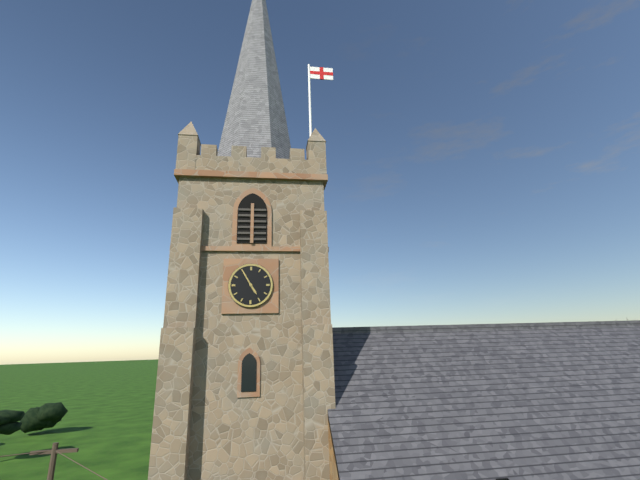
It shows {"hour": 4, "minute": 55}
